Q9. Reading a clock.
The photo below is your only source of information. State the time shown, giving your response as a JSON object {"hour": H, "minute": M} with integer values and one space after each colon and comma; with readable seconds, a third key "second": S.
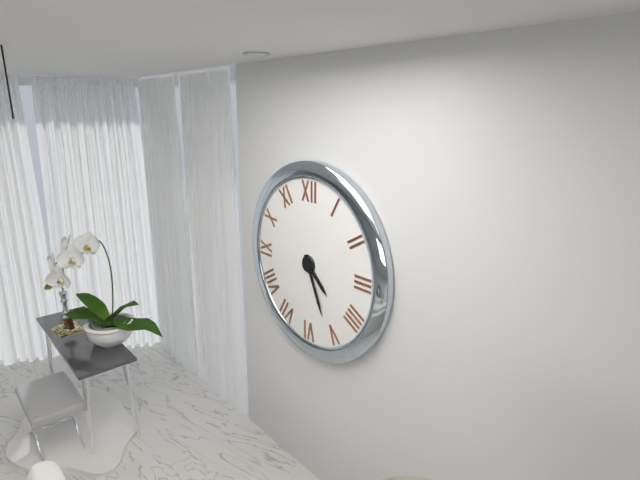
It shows {"hour": 4, "minute": 26}
